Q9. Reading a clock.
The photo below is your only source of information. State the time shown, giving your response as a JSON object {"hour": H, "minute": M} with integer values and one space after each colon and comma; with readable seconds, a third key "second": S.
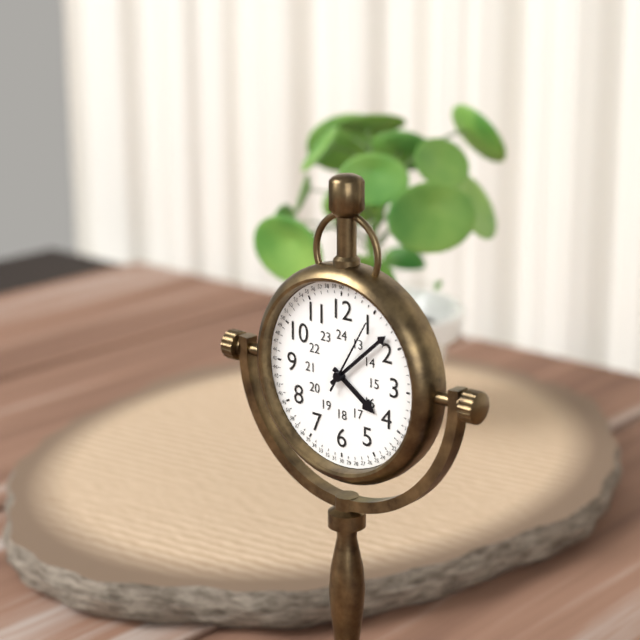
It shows {"hour": 4, "minute": 8, "second": 5}
